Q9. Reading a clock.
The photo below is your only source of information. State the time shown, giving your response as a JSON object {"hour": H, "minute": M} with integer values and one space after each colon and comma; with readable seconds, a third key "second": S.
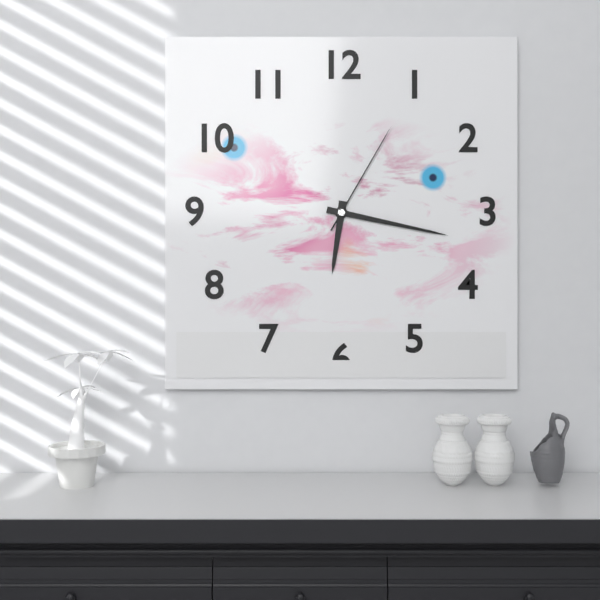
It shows {"hour": 6, "minute": 17, "second": 5}
